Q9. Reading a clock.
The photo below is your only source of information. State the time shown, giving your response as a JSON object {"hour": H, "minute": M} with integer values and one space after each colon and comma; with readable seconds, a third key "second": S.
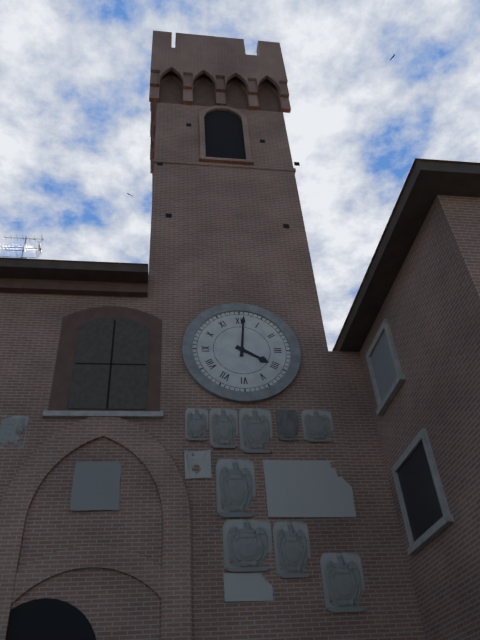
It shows {"hour": 4, "minute": 1}
